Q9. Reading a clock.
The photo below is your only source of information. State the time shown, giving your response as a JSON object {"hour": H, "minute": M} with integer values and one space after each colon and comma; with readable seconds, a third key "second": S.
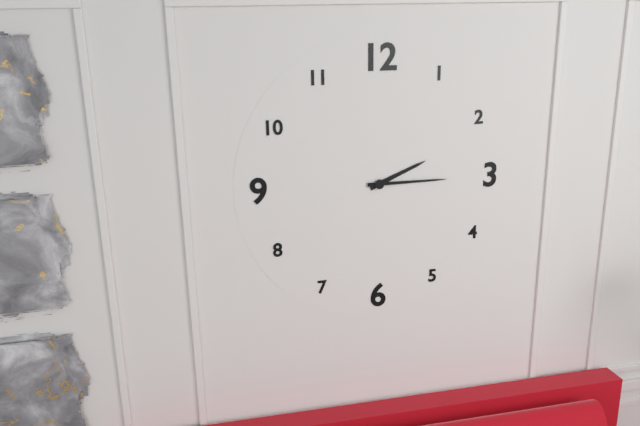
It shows {"hour": 2, "minute": 15}
